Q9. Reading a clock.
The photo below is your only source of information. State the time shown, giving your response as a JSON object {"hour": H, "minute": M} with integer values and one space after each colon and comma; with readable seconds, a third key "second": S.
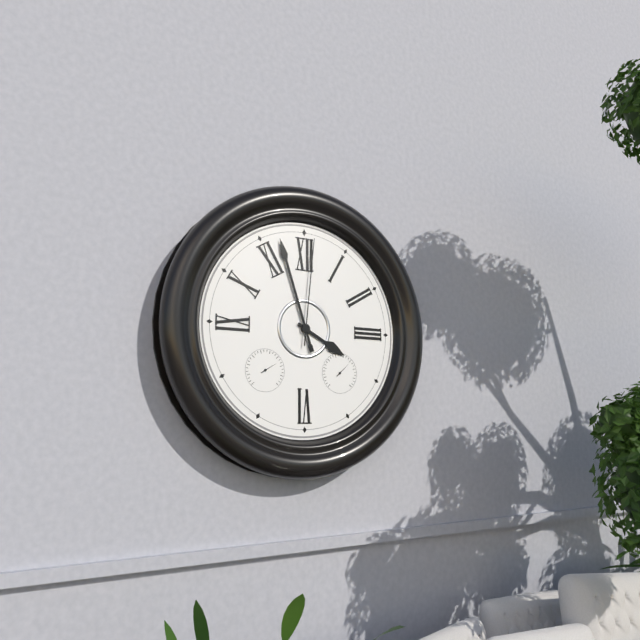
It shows {"hour": 3, "minute": 57, "second": 1}
